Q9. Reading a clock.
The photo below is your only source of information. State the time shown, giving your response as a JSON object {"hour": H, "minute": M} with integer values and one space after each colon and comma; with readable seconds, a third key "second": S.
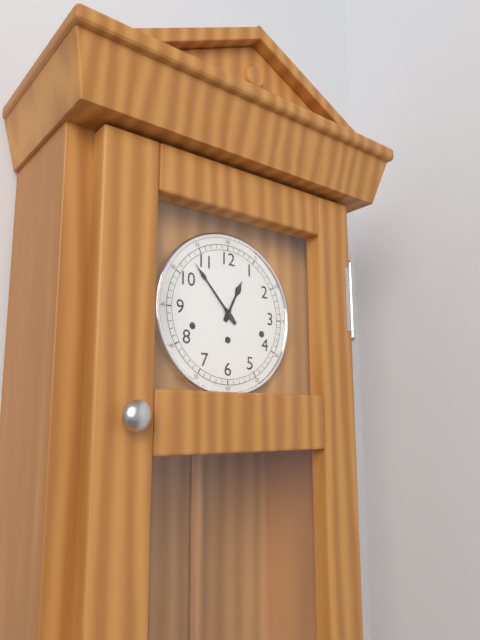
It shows {"hour": 12, "minute": 53}
